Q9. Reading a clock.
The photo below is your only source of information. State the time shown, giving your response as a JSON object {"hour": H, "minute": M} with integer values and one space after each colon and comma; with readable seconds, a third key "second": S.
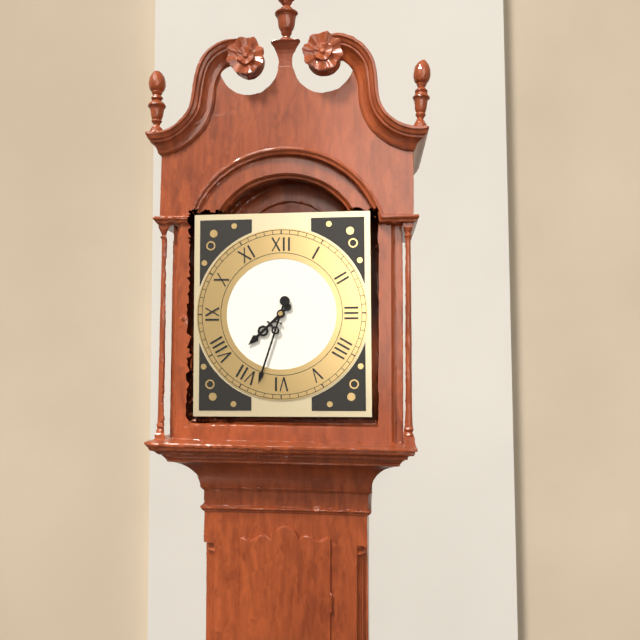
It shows {"hour": 7, "minute": 33}
